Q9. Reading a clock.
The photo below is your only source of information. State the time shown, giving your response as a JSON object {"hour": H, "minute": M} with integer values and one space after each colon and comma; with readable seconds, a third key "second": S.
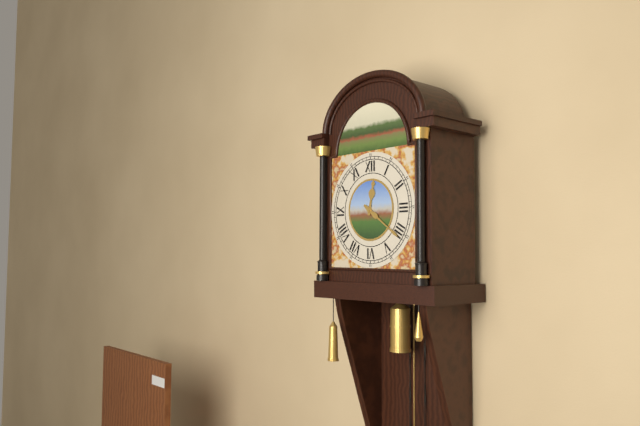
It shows {"hour": 12, "minute": 21}
